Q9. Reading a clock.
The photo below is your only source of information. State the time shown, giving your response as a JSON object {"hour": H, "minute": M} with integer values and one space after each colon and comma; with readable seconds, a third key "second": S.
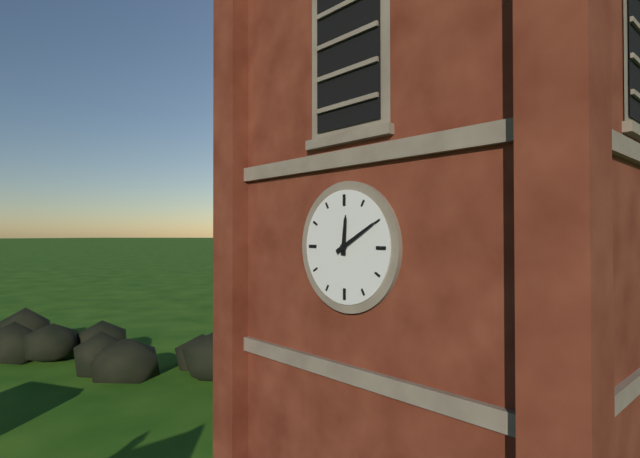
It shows {"hour": 12, "minute": 10}
